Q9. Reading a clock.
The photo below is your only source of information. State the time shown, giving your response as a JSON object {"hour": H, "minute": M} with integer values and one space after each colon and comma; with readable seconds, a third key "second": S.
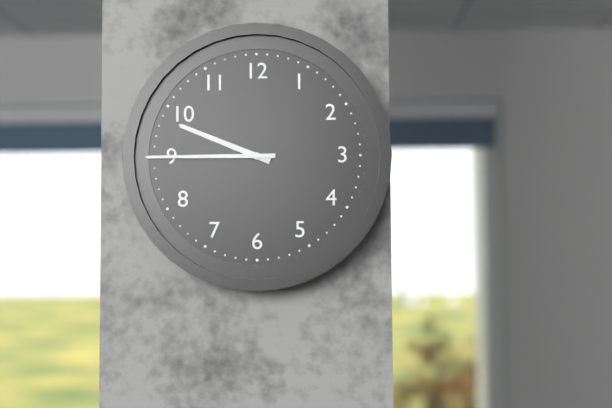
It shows {"hour": 9, "minute": 45}
